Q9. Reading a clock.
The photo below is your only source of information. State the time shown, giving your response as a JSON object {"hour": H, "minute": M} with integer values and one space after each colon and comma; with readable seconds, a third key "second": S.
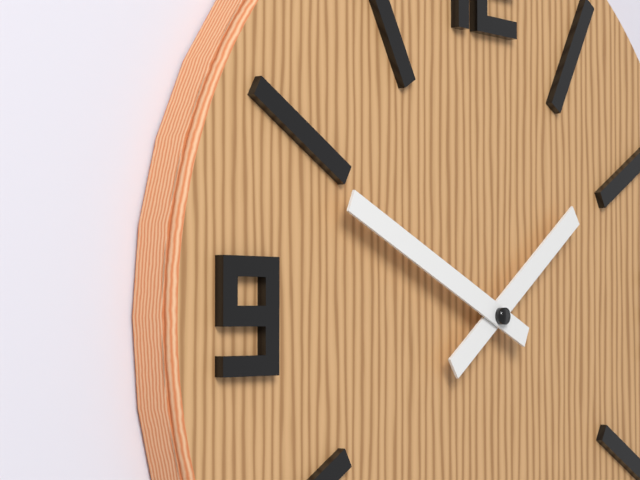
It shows {"hour": 1, "minute": 49}
